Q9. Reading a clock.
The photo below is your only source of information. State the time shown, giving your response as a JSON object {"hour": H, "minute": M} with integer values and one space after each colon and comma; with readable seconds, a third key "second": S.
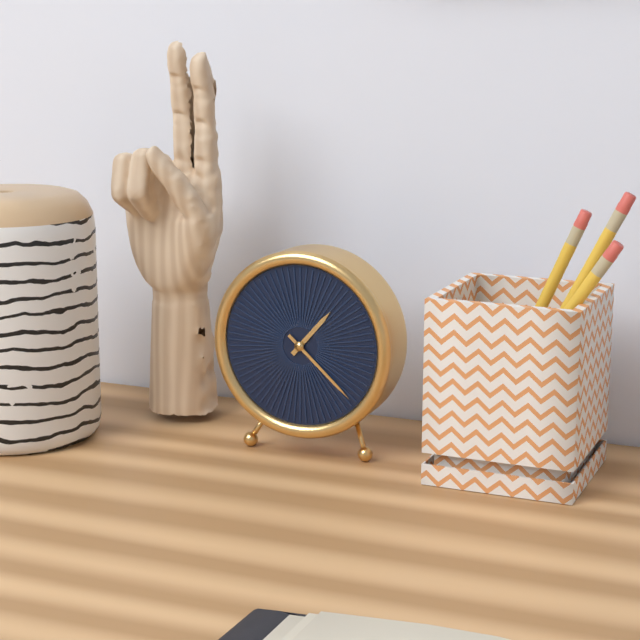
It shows {"hour": 1, "minute": 22}
